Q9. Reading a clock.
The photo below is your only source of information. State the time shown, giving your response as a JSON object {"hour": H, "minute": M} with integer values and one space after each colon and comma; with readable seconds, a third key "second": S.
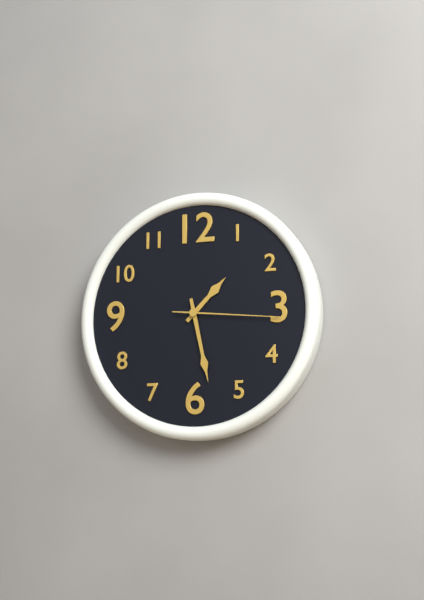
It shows {"hour": 1, "minute": 28, "second": 16}
